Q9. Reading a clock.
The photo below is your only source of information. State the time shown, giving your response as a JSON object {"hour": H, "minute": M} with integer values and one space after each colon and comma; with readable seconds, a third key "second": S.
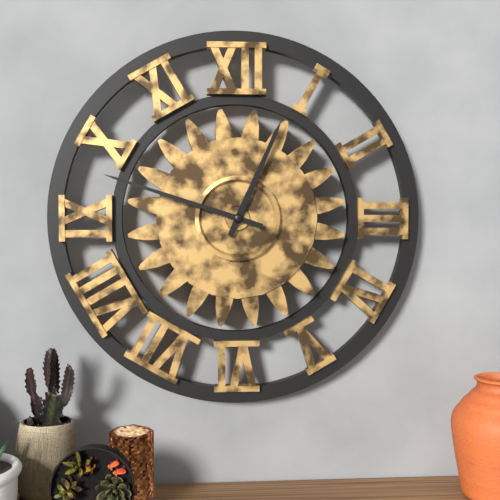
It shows {"hour": 12, "minute": 48}
